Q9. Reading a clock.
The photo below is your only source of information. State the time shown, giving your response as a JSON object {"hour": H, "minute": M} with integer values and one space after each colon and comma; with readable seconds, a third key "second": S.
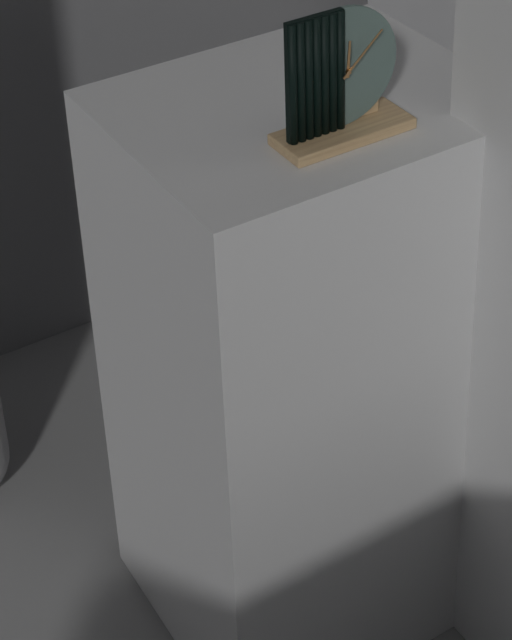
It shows {"hour": 12, "minute": 8}
